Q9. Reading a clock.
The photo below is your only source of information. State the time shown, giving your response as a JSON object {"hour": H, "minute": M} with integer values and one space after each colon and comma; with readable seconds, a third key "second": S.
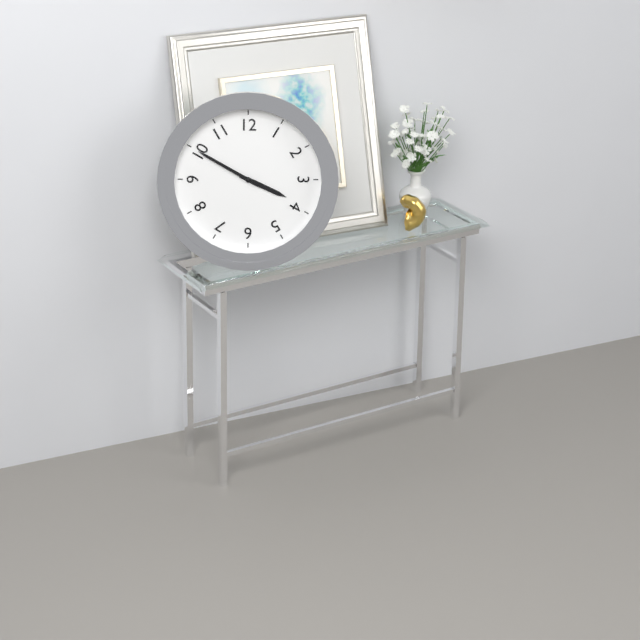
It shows {"hour": 3, "minute": 50}
